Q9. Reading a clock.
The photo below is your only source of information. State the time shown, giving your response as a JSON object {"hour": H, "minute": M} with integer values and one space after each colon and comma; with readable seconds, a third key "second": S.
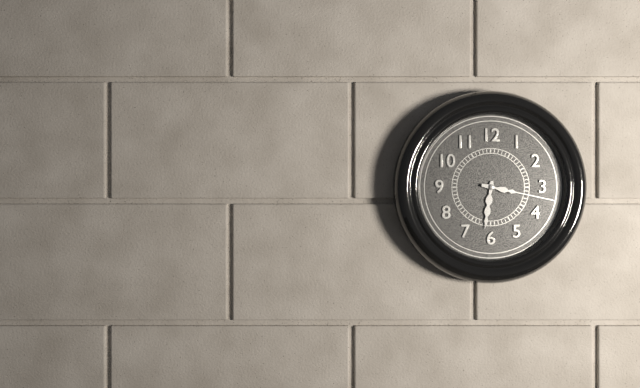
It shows {"hour": 6, "minute": 17}
